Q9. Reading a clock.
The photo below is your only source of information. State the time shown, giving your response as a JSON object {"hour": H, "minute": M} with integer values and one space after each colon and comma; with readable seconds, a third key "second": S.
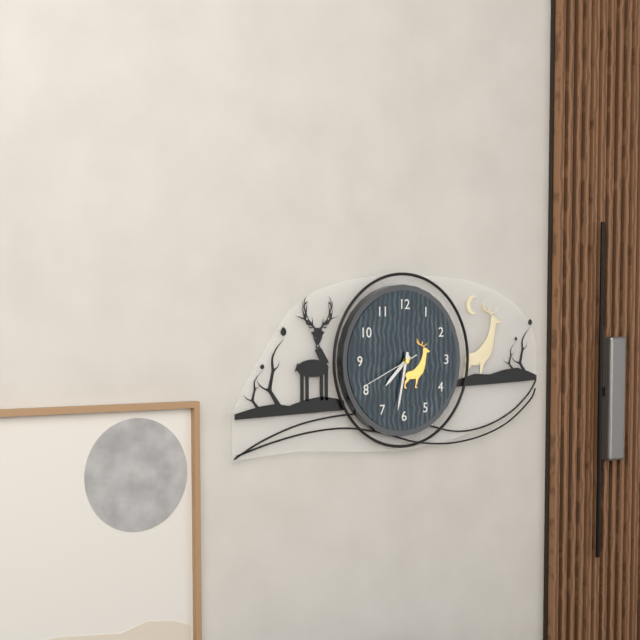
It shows {"hour": 7, "minute": 32, "second": 41}
